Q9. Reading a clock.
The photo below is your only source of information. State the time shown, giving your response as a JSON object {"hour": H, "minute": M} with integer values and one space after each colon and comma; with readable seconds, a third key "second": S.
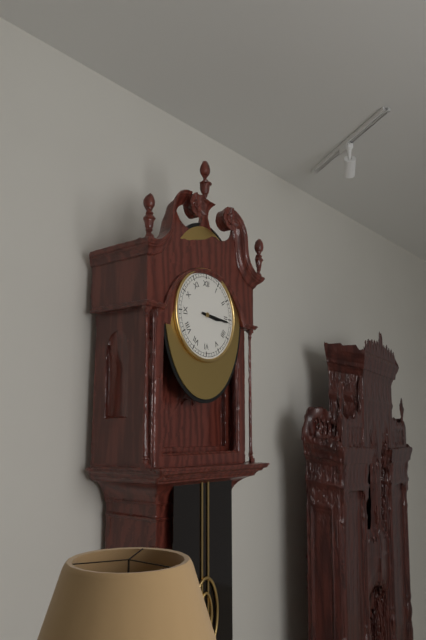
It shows {"hour": 3, "minute": 16}
